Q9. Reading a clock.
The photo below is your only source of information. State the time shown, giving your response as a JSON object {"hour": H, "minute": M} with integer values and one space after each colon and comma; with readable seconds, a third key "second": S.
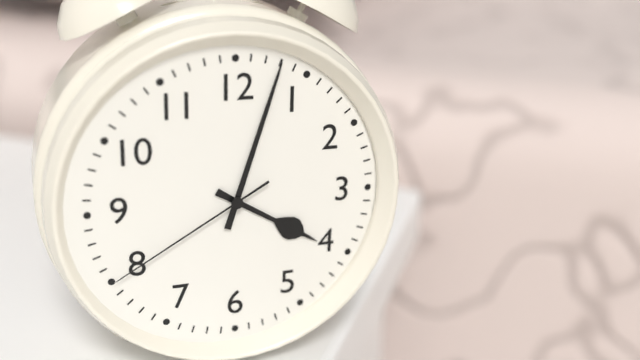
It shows {"hour": 4, "minute": 3, "second": 40}
